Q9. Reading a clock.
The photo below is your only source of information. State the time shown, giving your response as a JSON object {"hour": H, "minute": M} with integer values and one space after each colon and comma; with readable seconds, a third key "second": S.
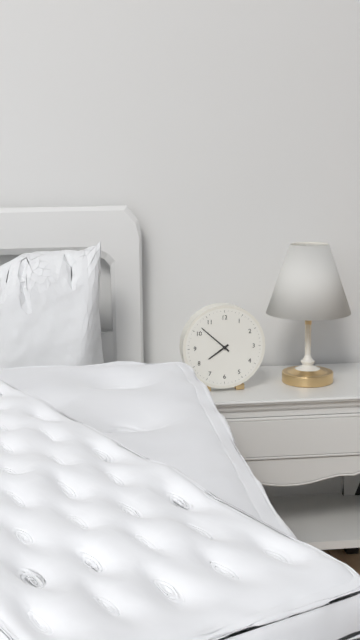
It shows {"hour": 7, "minute": 52}
